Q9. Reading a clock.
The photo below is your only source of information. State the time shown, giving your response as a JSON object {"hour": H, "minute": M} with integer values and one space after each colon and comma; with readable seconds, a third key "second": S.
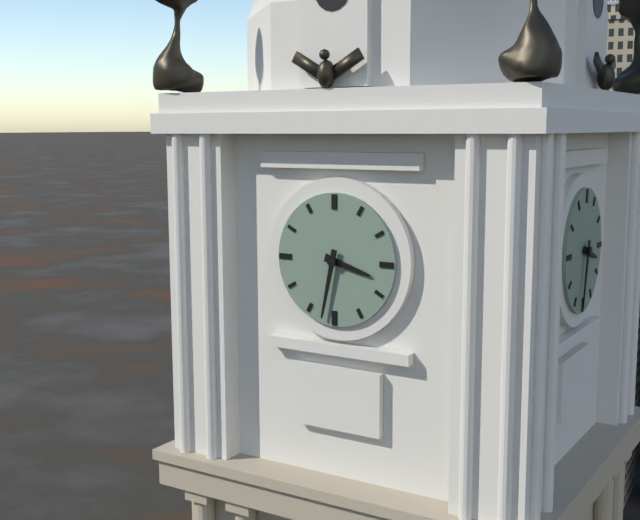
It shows {"hour": 3, "minute": 32}
